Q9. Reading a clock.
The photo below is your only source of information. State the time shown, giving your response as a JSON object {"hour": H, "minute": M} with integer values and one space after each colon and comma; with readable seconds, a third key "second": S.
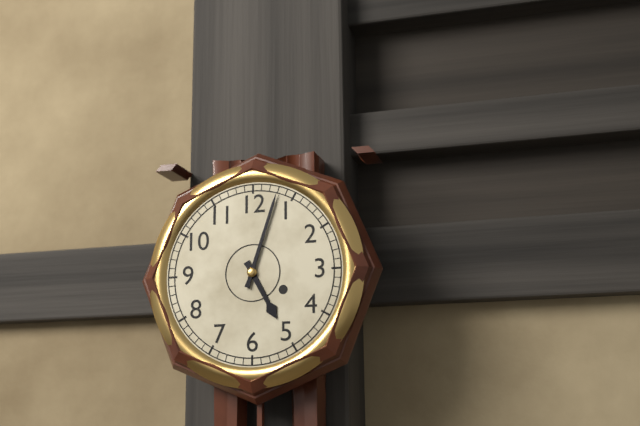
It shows {"hour": 5, "minute": 3}
